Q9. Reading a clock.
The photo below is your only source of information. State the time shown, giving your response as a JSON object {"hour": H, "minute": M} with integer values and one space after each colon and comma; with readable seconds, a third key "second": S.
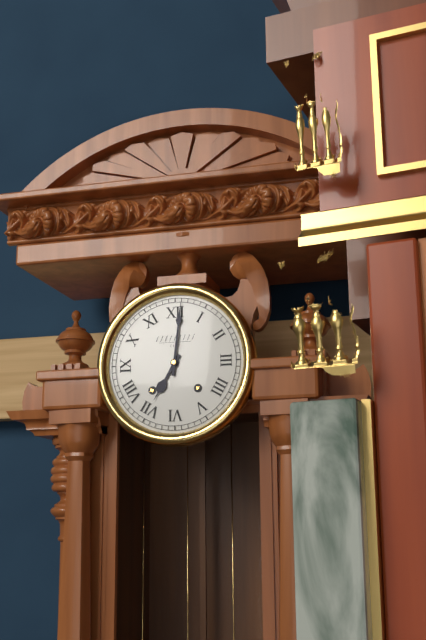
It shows {"hour": 7, "minute": 1}
